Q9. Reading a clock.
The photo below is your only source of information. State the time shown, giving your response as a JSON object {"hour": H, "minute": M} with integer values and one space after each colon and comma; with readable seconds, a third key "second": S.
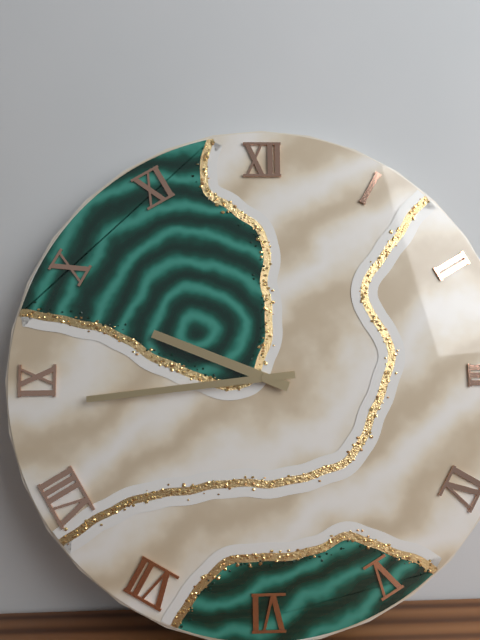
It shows {"hour": 9, "minute": 44}
